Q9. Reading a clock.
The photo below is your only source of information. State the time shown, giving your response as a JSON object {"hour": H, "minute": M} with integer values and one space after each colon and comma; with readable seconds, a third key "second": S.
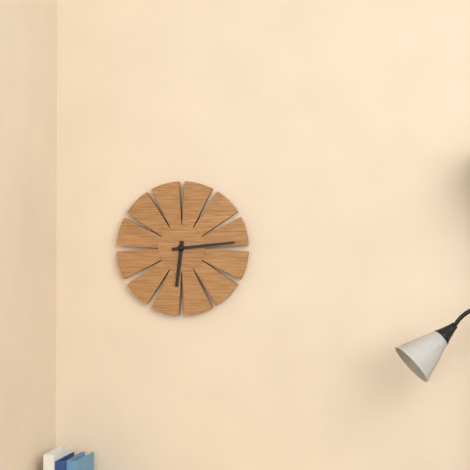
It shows {"hour": 6, "minute": 14}
